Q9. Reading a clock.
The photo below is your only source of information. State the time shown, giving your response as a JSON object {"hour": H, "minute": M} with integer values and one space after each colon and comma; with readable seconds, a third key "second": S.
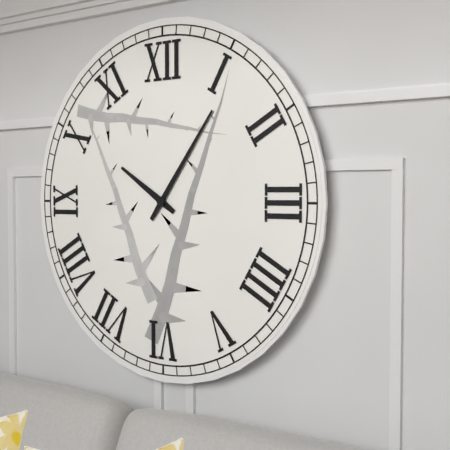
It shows {"hour": 10, "minute": 6}
